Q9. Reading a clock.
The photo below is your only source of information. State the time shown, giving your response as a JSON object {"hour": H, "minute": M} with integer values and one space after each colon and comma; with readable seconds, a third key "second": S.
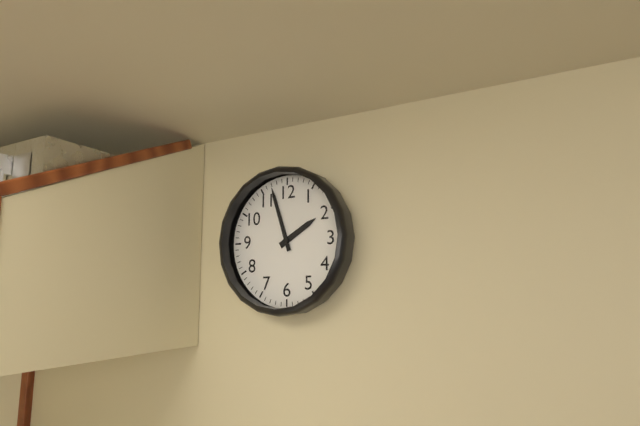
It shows {"hour": 1, "minute": 57}
